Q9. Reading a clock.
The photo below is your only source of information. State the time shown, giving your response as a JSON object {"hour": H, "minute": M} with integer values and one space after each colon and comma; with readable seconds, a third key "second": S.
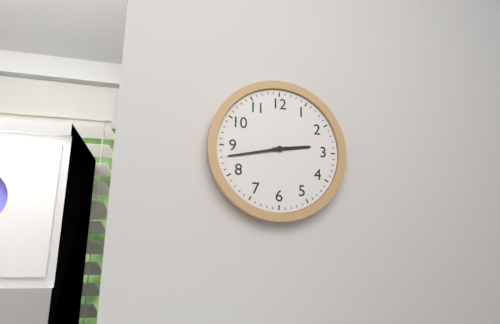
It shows {"hour": 2, "minute": 43}
